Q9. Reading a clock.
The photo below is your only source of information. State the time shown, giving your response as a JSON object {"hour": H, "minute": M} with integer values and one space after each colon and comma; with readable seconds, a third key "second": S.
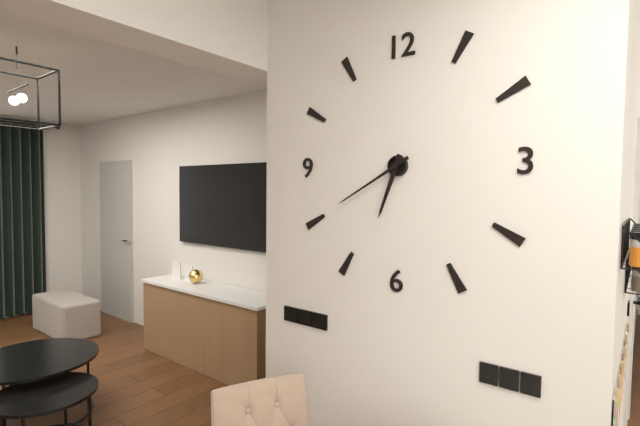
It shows {"hour": 6, "minute": 40}
